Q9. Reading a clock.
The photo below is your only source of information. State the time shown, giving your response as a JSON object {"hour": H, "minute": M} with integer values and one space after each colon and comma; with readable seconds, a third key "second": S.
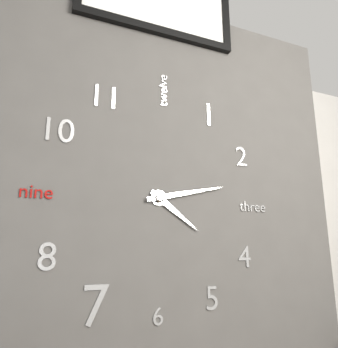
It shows {"hour": 4, "minute": 13}
